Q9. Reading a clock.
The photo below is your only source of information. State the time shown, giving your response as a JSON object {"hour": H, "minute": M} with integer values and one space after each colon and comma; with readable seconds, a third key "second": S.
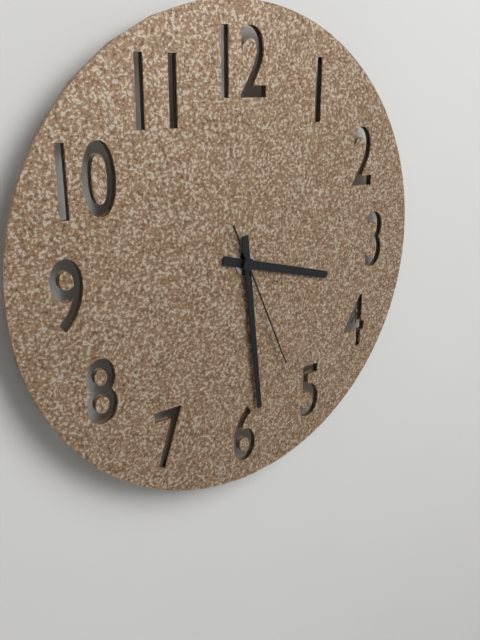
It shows {"hour": 3, "minute": 29, "second": 26}
